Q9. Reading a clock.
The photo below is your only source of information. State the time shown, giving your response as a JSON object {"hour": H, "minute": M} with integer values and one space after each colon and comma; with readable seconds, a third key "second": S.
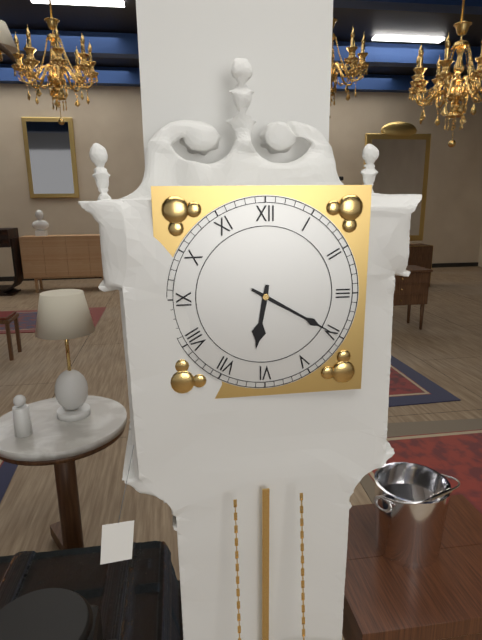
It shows {"hour": 6, "minute": 20}
